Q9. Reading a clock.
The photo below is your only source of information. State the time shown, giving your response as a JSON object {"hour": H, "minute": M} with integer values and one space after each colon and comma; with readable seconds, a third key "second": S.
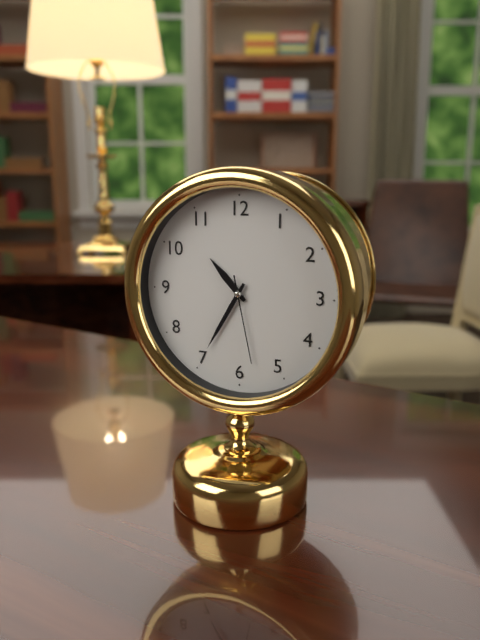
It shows {"hour": 10, "minute": 35, "second": 28}
